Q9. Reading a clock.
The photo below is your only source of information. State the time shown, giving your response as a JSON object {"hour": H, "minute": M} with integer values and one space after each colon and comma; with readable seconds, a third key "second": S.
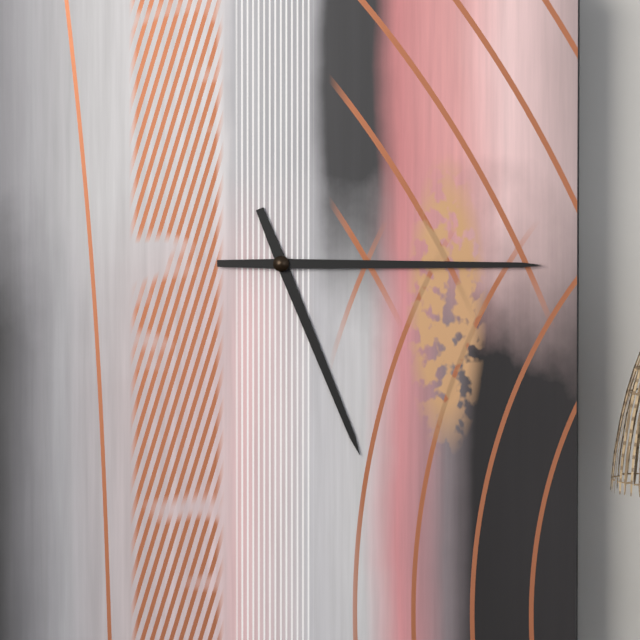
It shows {"hour": 5, "minute": 15}
